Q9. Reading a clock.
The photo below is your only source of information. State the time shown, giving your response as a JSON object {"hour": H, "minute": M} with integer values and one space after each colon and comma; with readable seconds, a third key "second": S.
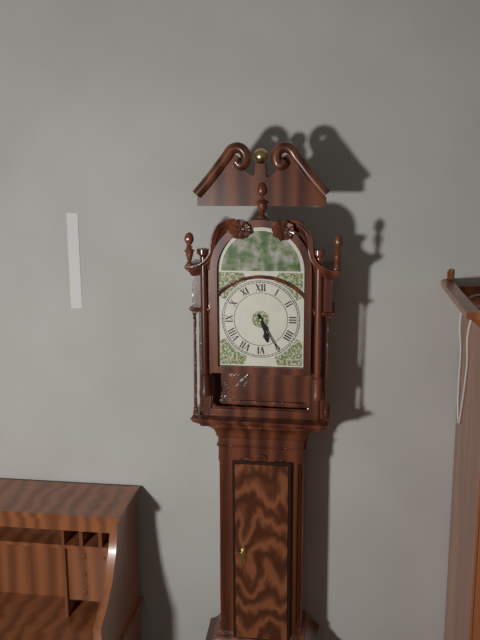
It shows {"hour": 5, "minute": 25}
